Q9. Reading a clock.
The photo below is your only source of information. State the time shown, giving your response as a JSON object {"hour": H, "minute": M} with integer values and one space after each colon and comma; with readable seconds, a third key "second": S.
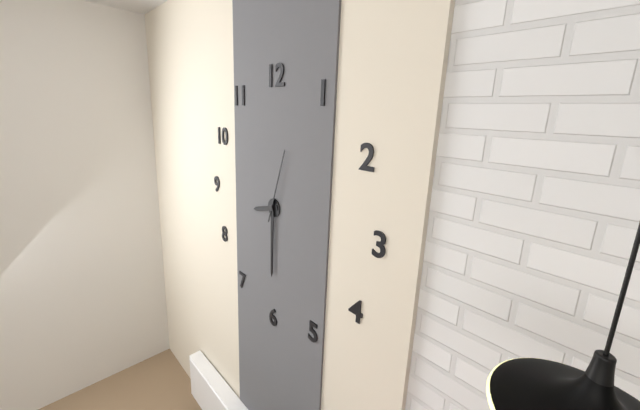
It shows {"hour": 8, "minute": 30, "second": 3}
